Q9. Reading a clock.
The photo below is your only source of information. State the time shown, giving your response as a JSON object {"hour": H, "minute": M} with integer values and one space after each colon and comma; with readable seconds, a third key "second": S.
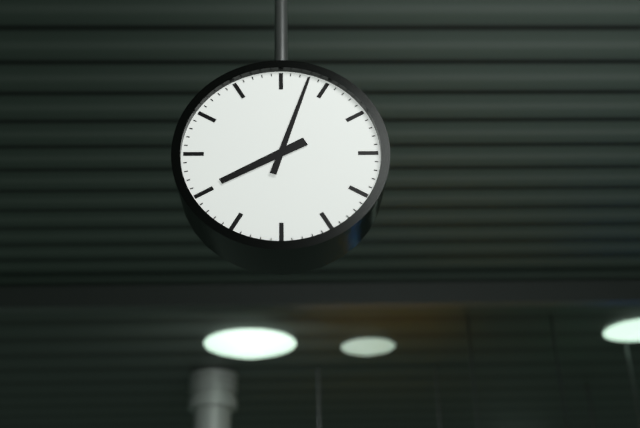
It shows {"hour": 8, "minute": 3}
